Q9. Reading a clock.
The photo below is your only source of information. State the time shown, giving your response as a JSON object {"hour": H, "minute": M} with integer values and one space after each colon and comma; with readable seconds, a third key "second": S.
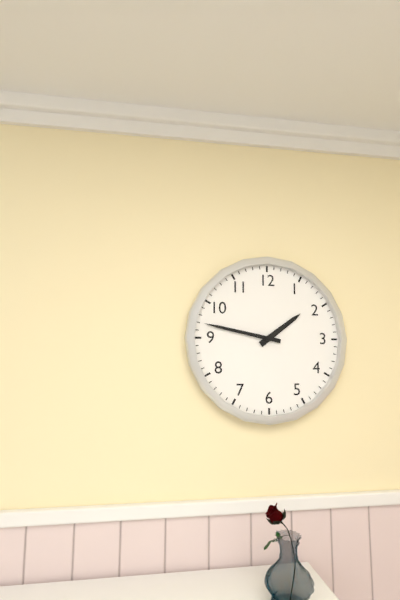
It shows {"hour": 1, "minute": 47}
